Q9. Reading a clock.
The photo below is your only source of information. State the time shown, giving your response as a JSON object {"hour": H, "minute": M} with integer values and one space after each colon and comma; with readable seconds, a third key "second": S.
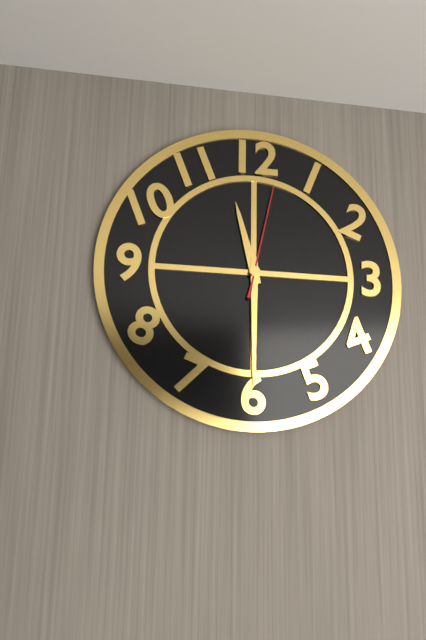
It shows {"hour": 11, "minute": 30, "second": 2}
